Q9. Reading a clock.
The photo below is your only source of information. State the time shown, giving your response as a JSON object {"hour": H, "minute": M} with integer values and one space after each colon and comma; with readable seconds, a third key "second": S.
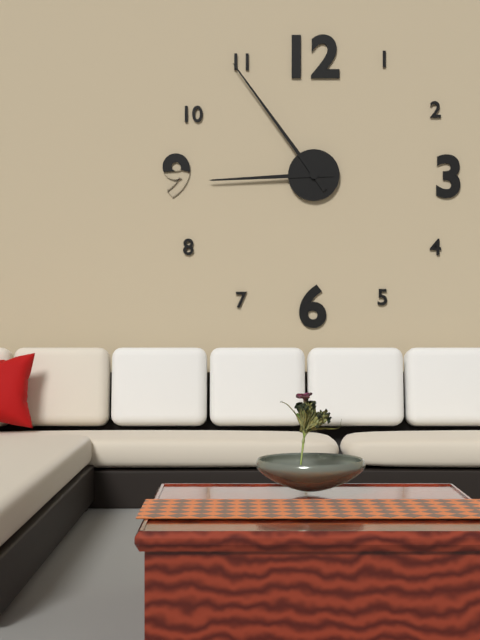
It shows {"hour": 8, "minute": 54}
